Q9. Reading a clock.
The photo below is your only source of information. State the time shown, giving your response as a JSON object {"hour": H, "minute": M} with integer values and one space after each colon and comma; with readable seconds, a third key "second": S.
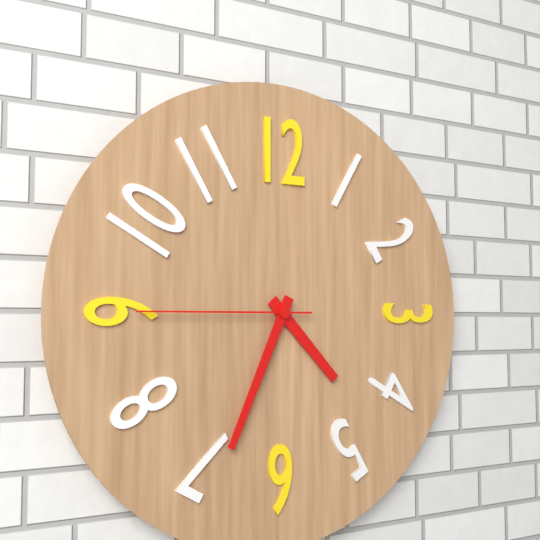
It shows {"hour": 4, "minute": 34, "second": 45}
